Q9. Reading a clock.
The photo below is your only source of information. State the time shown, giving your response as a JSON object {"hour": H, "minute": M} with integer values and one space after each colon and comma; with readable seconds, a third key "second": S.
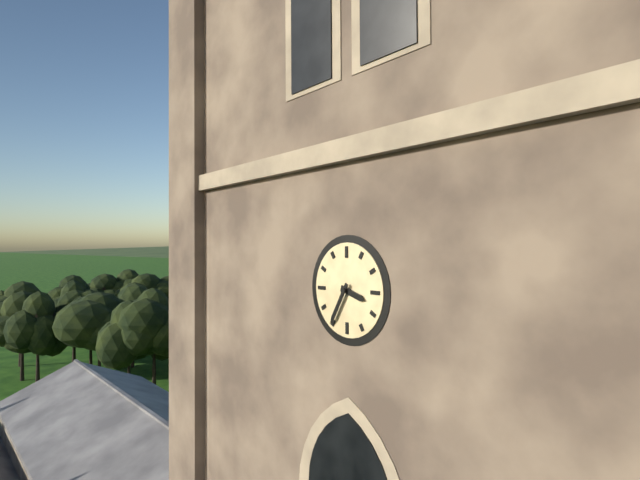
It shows {"hour": 3, "minute": 35}
